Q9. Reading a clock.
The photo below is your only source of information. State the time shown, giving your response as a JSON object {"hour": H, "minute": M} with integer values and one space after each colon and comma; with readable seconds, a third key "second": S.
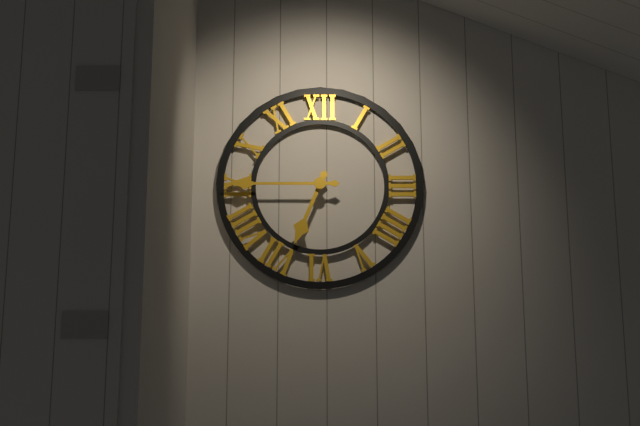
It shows {"hour": 6, "minute": 45}
